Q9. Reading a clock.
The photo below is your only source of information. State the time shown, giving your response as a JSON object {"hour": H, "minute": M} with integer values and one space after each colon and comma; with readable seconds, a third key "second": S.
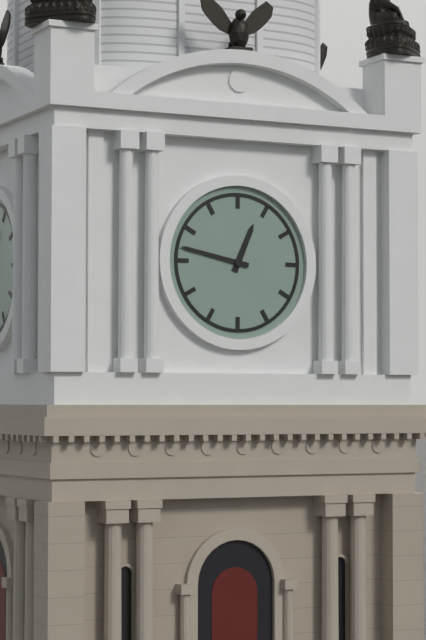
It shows {"hour": 12, "minute": 47}
